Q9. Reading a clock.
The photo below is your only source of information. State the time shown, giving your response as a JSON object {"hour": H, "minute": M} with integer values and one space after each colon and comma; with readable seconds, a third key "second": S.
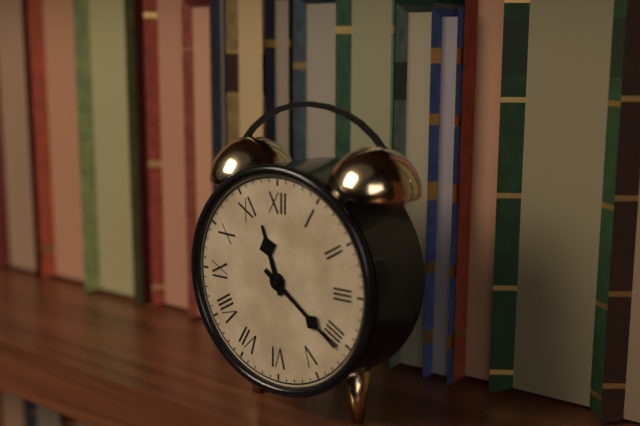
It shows {"hour": 11, "minute": 21}
